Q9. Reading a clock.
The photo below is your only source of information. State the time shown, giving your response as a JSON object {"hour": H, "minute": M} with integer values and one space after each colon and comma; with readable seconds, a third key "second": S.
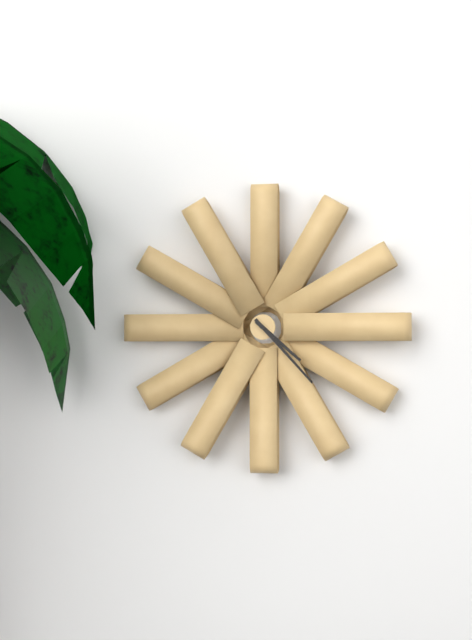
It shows {"hour": 4, "minute": 23}
